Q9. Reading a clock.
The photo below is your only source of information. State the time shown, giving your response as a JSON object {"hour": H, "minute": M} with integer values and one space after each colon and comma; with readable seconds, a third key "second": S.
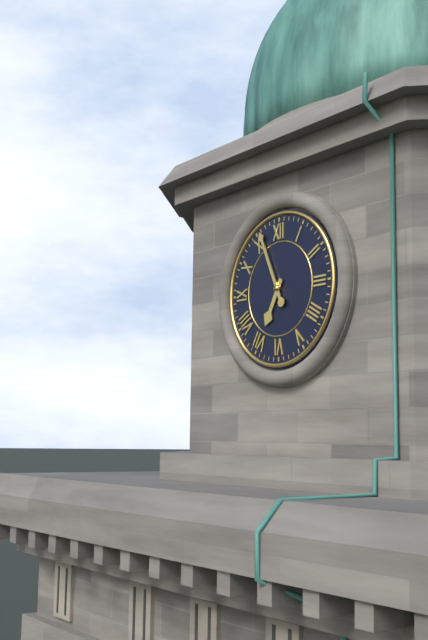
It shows {"hour": 6, "minute": 56}
